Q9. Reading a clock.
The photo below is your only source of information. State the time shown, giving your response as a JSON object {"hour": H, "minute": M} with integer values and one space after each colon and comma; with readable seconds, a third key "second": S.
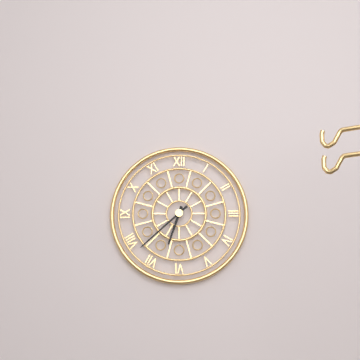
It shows {"hour": 6, "minute": 38}
